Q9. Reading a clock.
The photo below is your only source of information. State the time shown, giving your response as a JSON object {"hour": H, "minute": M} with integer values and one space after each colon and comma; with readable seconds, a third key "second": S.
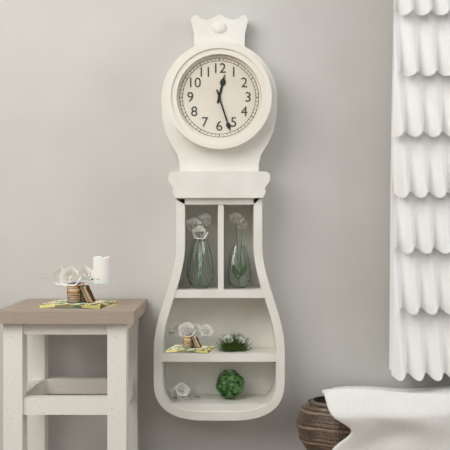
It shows {"hour": 12, "minute": 27}
